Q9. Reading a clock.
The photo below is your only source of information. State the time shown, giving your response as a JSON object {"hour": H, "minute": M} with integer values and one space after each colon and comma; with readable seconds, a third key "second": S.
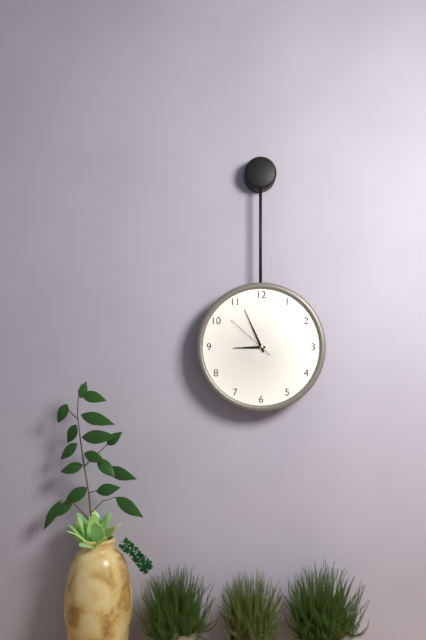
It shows {"hour": 8, "minute": 56, "second": 52}
